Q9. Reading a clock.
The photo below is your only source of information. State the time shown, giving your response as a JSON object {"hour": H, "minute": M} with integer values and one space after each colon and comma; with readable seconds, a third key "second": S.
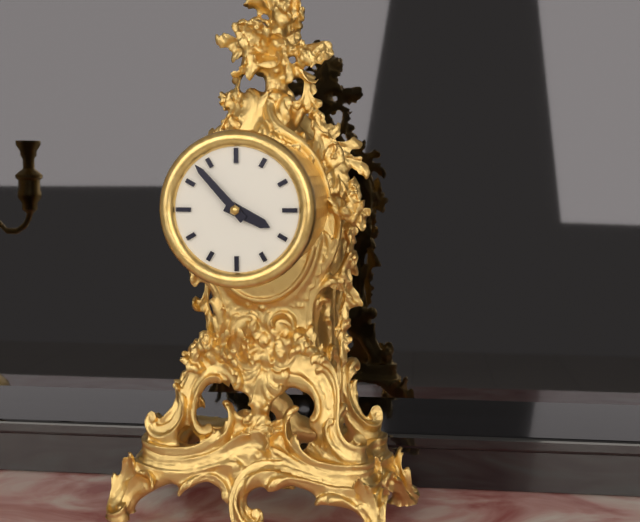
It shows {"hour": 3, "minute": 53}
